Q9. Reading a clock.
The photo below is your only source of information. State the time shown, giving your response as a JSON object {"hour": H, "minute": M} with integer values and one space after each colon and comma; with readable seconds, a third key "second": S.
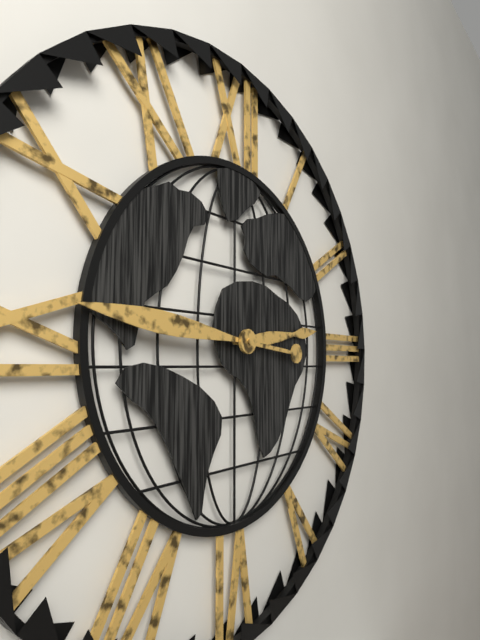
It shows {"hour": 2, "minute": 46}
